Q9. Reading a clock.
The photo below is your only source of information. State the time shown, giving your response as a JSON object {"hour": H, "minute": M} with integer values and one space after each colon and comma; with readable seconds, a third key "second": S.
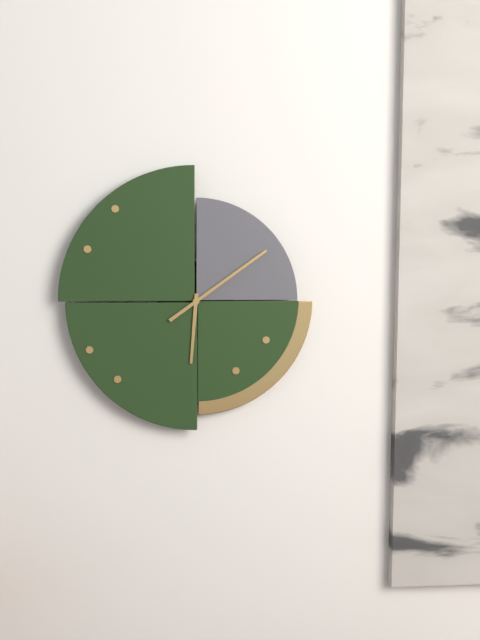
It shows {"hour": 6, "minute": 9}
